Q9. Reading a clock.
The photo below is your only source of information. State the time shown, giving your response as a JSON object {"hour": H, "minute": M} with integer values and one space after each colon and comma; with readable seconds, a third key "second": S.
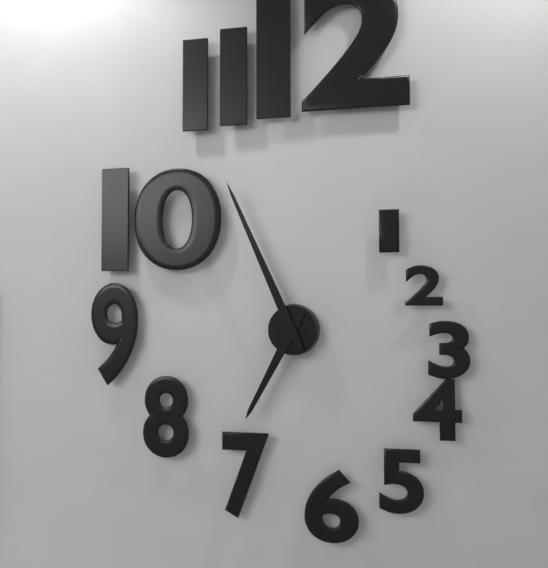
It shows {"hour": 6, "minute": 56}
